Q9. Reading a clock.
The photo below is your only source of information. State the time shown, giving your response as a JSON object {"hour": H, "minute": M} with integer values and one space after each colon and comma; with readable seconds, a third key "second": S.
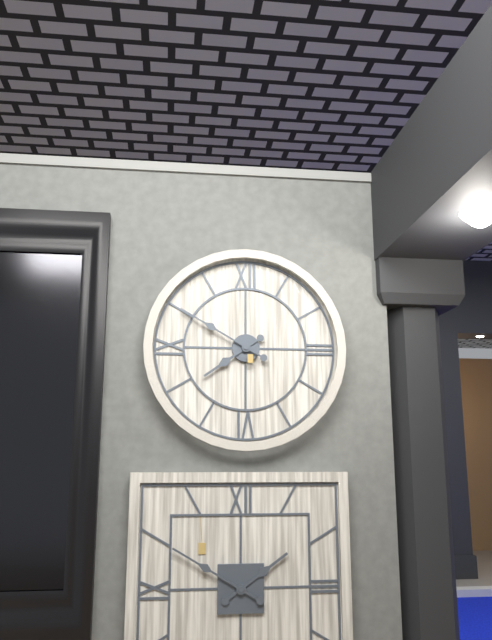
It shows {"hour": 7, "minute": 50}
